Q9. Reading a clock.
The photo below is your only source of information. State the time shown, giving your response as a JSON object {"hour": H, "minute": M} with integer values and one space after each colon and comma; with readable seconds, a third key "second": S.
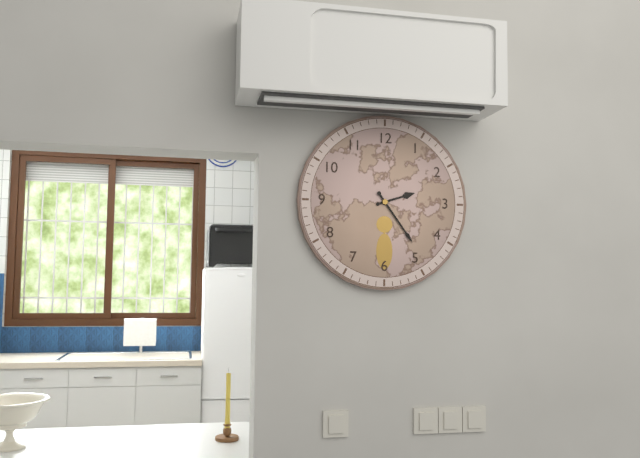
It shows {"hour": 2, "minute": 24}
